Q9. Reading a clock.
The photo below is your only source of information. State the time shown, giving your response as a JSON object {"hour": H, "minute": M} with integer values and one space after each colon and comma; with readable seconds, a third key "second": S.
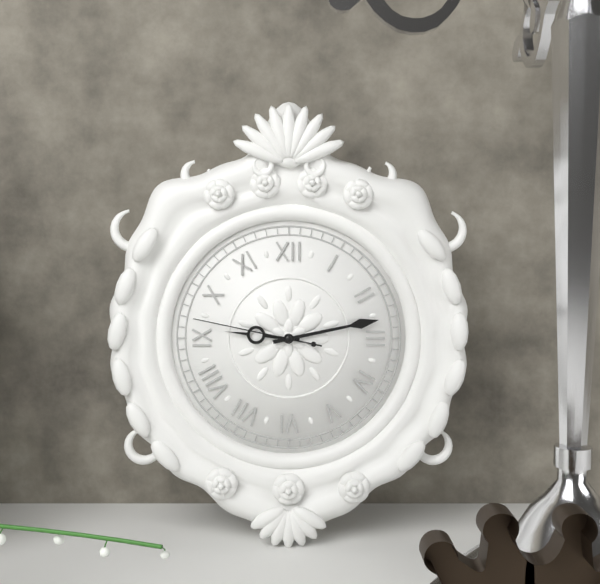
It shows {"hour": 9, "minute": 13, "second": 47}
